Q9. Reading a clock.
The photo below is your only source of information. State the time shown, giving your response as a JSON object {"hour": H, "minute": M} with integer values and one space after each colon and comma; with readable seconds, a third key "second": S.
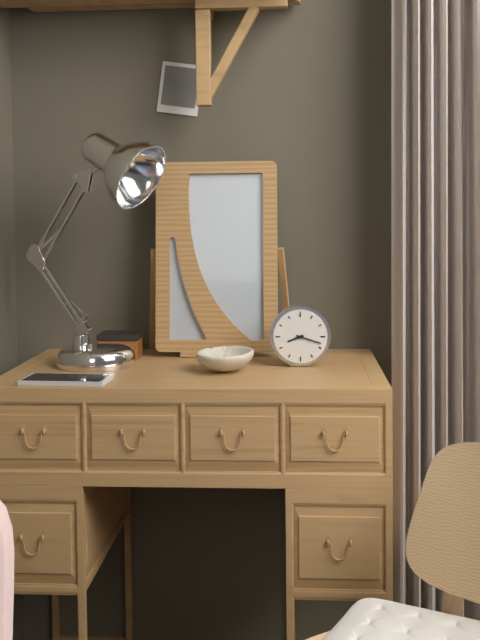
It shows {"hour": 8, "minute": 18}
